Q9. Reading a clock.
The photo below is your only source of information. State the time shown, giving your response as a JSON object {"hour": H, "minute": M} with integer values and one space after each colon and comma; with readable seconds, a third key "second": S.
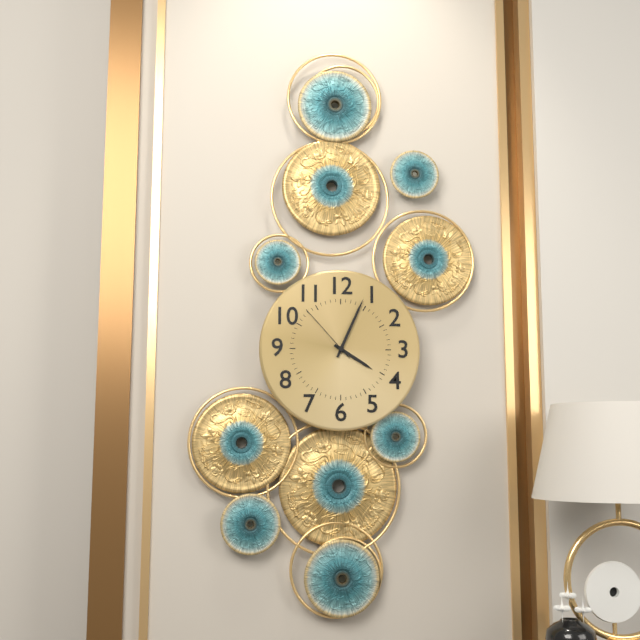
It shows {"hour": 4, "minute": 4, "second": 53}
